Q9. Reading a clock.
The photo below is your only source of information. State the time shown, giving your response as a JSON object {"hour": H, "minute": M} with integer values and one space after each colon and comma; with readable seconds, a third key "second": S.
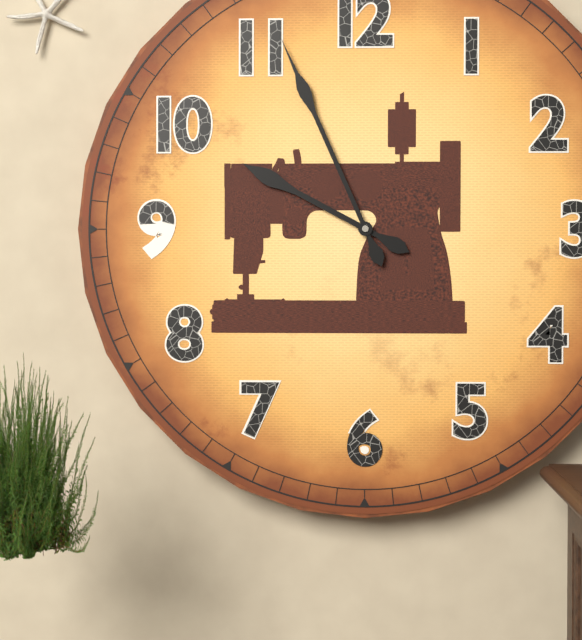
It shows {"hour": 9, "minute": 56}
